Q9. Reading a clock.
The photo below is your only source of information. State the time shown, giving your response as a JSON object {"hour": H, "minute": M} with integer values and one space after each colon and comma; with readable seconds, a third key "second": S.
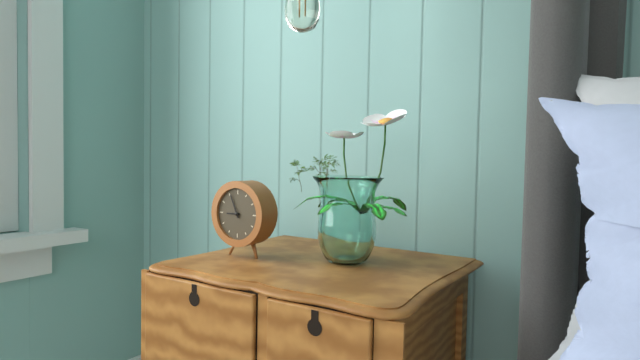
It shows {"hour": 8, "minute": 56}
